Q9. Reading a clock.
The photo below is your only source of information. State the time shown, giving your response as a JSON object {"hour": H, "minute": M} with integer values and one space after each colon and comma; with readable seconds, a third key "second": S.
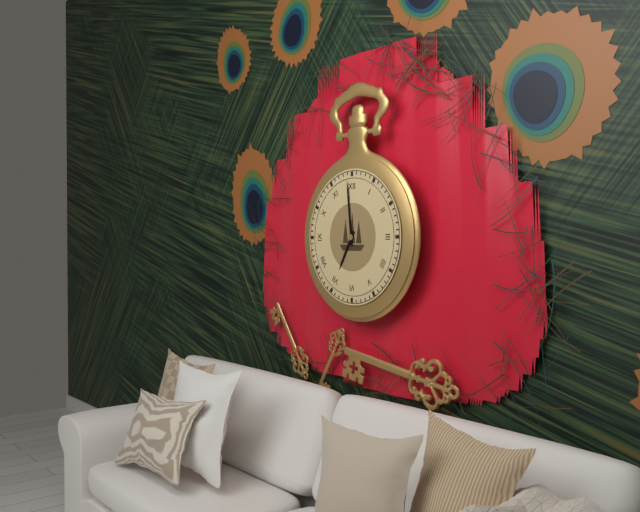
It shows {"hour": 6, "minute": 59}
